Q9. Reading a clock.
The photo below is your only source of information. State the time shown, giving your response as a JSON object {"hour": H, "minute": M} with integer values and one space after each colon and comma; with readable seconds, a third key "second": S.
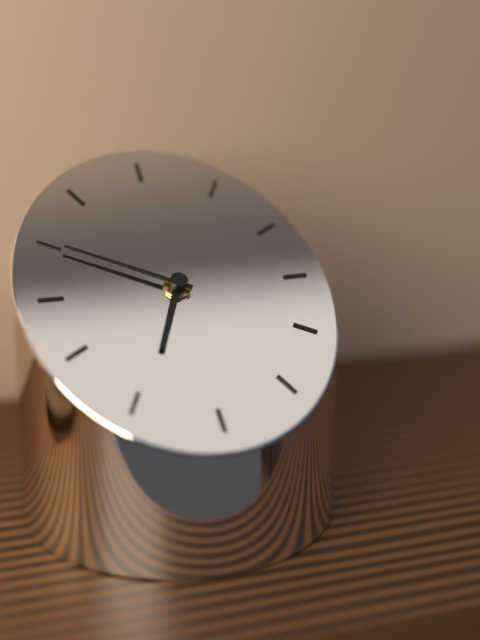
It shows {"hour": 6, "minute": 50}
